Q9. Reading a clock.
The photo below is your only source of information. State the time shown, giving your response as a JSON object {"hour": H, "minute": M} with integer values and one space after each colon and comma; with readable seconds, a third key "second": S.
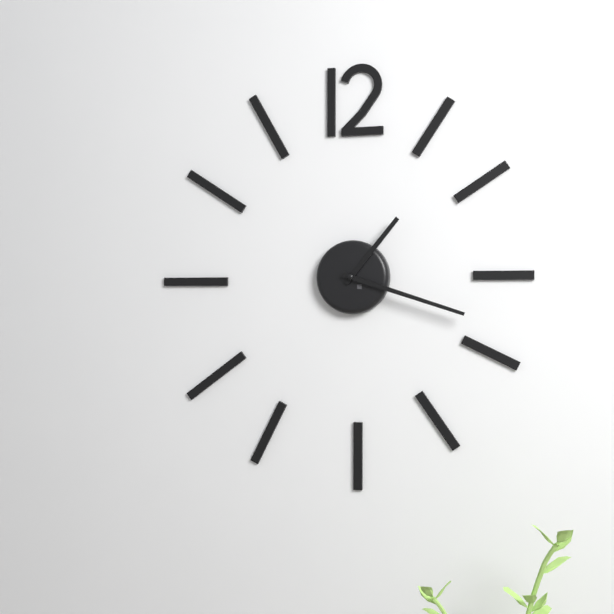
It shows {"hour": 1, "minute": 18}
